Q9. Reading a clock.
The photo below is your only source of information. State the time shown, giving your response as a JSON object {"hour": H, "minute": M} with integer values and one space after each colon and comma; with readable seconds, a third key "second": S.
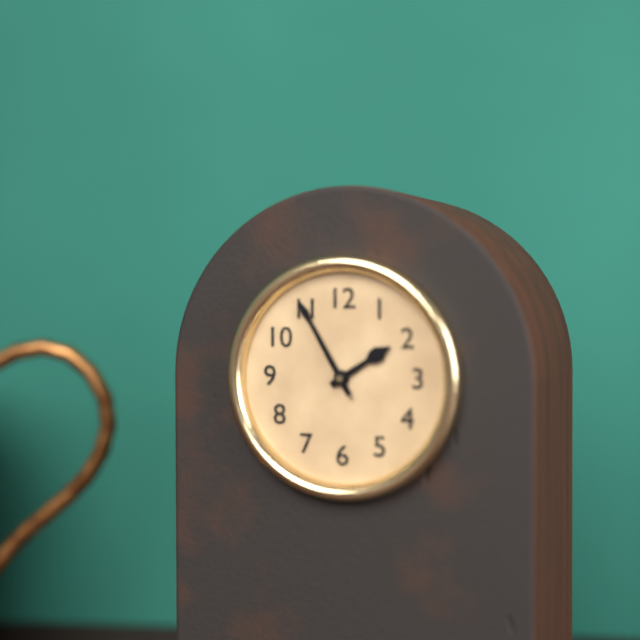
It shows {"hour": 1, "minute": 55}
